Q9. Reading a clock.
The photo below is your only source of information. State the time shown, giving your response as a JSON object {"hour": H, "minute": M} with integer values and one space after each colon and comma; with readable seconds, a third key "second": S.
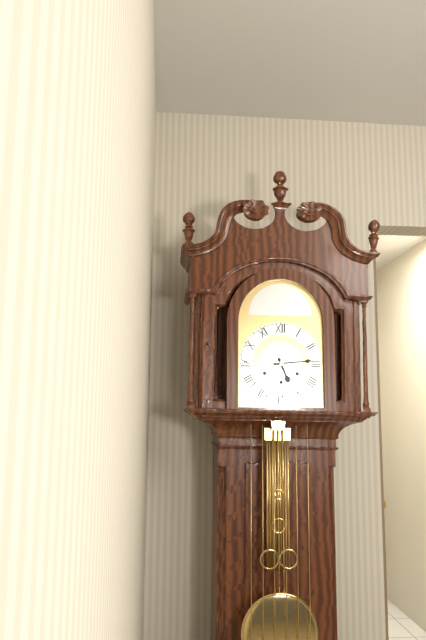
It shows {"hour": 5, "minute": 14}
